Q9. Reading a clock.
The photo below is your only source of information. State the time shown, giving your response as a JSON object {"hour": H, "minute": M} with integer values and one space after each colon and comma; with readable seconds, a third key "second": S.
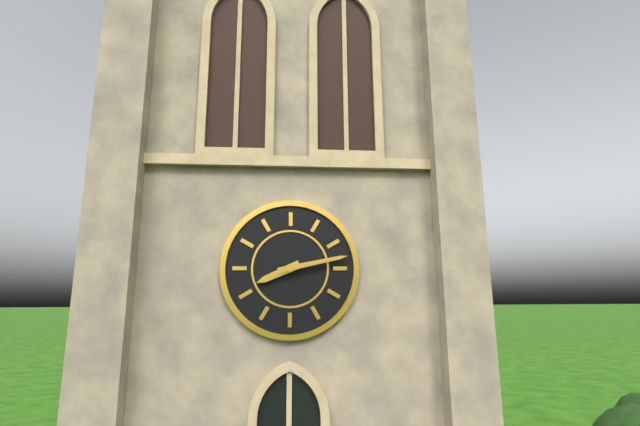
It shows {"hour": 8, "minute": 13}
